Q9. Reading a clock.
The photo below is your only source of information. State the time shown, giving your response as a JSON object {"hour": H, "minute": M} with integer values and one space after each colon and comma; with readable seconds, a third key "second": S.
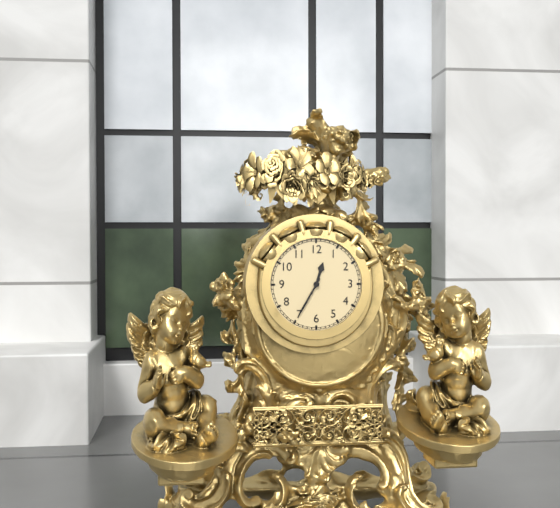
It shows {"hour": 12, "minute": 35}
